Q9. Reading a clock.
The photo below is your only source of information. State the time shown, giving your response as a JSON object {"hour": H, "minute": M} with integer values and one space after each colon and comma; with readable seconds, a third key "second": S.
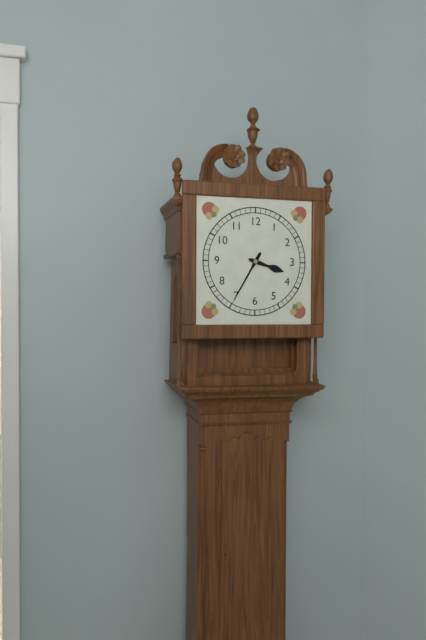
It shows {"hour": 3, "minute": 35}
